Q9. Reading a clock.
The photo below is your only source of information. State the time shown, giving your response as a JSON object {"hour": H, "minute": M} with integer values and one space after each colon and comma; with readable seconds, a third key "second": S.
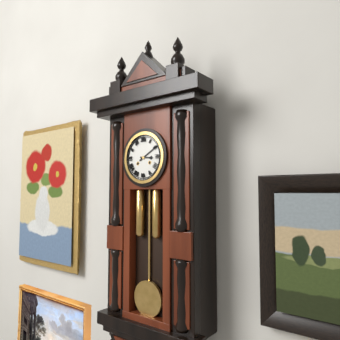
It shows {"hour": 3, "minute": 10}
